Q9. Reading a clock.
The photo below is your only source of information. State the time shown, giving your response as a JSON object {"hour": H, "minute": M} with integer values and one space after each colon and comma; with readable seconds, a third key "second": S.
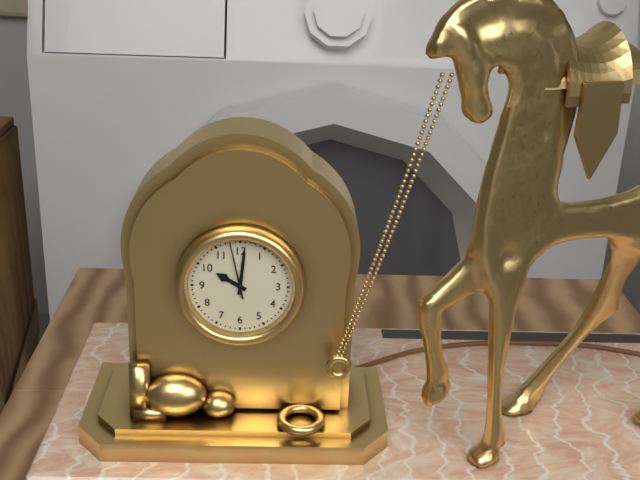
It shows {"hour": 10, "minute": 1, "second": 58}
